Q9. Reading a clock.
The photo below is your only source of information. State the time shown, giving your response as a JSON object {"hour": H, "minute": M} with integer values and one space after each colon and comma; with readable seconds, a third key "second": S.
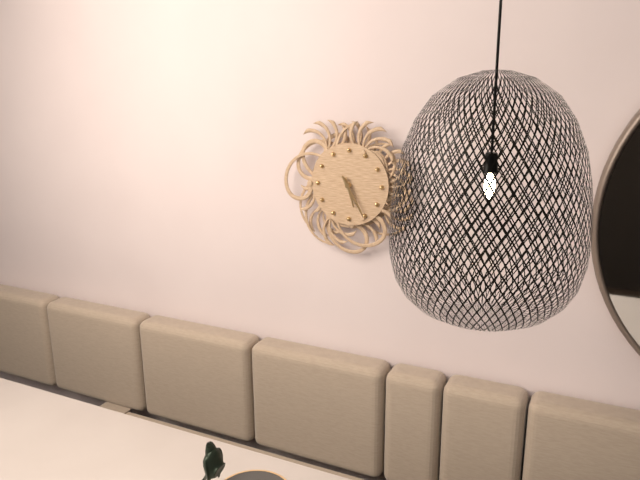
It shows {"hour": 5, "minute": 25}
